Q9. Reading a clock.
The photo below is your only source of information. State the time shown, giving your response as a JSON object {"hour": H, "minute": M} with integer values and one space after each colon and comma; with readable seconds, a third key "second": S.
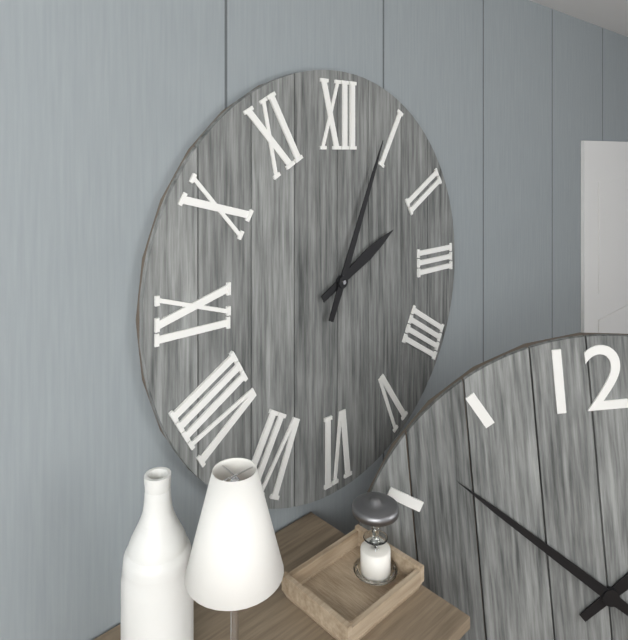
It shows {"hour": 2, "minute": 4}
